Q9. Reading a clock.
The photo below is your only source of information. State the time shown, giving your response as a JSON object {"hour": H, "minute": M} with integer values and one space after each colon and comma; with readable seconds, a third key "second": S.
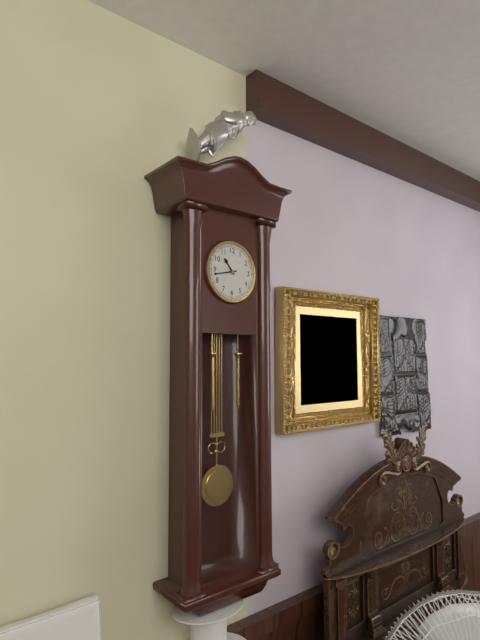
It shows {"hour": 10, "minute": 43}
